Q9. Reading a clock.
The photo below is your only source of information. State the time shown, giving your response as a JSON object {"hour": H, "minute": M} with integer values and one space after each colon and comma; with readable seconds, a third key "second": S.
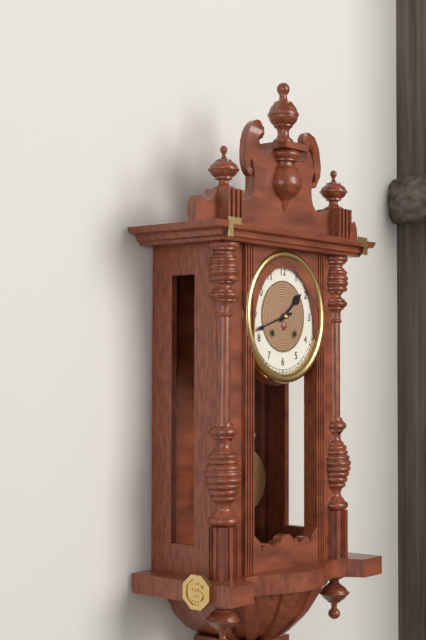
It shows {"hour": 1, "minute": 42}
